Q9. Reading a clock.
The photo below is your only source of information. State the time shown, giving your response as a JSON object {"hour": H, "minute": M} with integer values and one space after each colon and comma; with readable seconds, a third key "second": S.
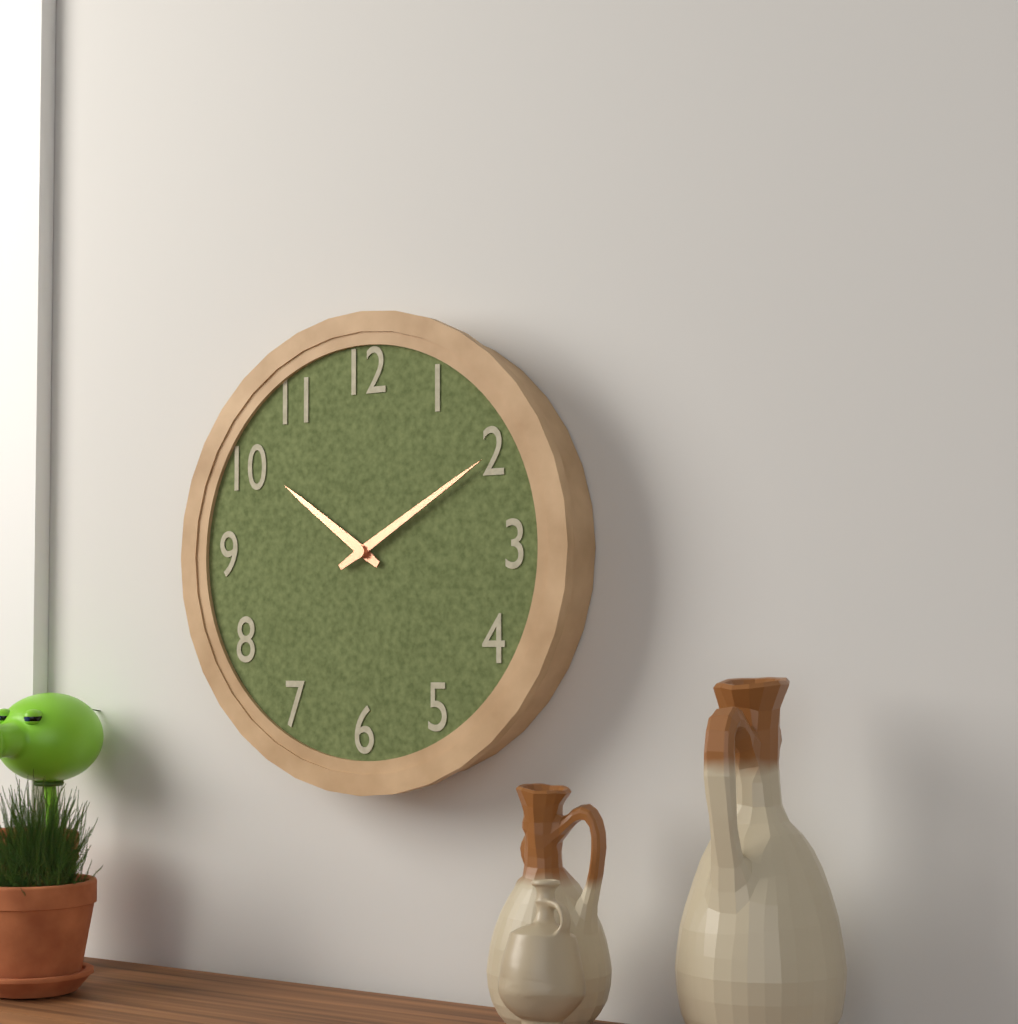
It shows {"hour": 10, "minute": 10}
